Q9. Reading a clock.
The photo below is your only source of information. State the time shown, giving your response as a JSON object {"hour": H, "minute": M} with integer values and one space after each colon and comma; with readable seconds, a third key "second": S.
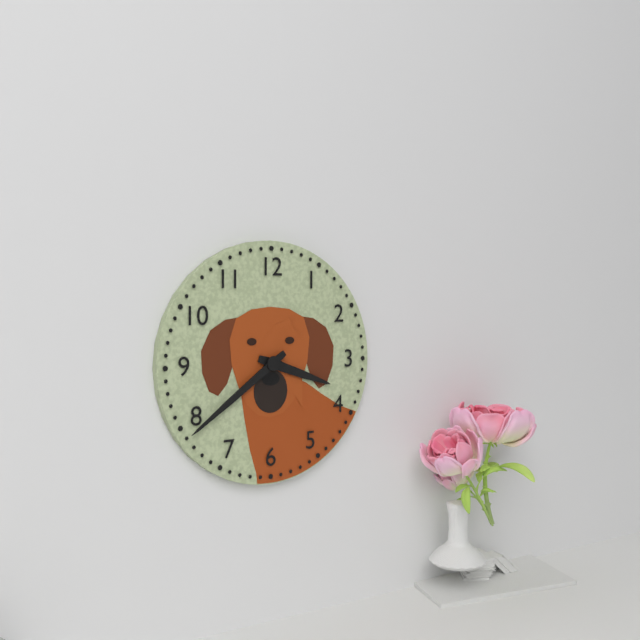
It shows {"hour": 3, "minute": 39}
